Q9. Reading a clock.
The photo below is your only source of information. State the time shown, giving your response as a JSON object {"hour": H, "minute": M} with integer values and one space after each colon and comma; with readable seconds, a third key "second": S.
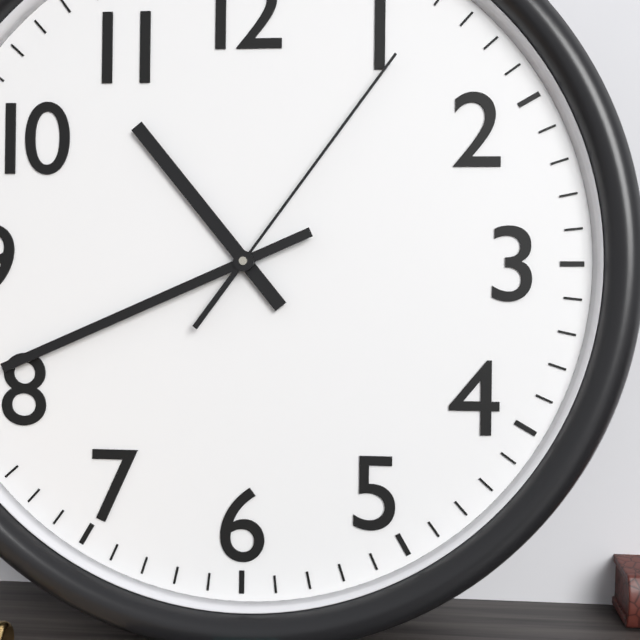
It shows {"hour": 10, "minute": 41, "second": 6}
